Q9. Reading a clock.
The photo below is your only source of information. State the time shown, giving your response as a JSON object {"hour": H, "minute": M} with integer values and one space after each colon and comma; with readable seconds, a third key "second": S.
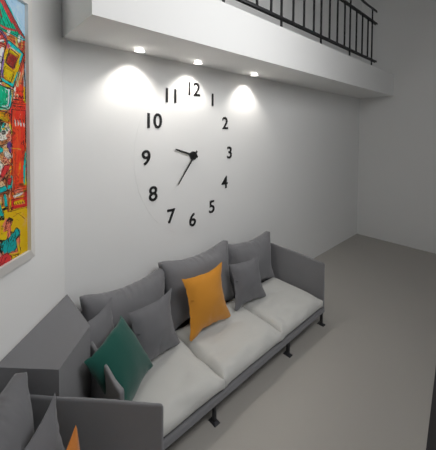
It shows {"hour": 9, "minute": 36}
